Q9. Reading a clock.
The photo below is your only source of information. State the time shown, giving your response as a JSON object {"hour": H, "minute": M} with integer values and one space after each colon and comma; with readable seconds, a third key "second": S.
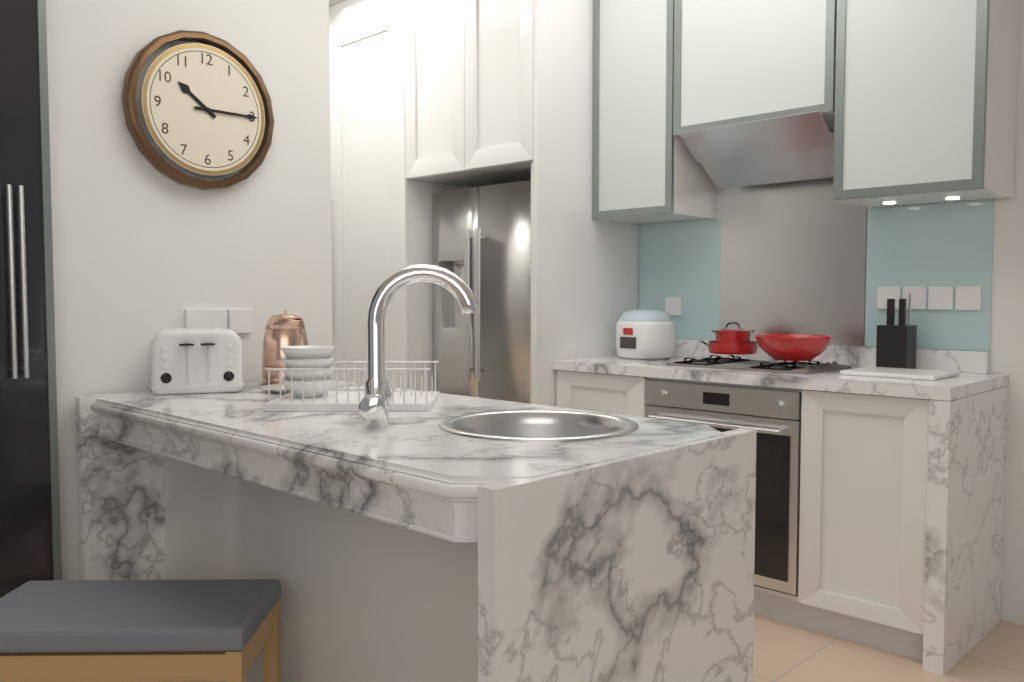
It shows {"hour": 10, "minute": 15}
